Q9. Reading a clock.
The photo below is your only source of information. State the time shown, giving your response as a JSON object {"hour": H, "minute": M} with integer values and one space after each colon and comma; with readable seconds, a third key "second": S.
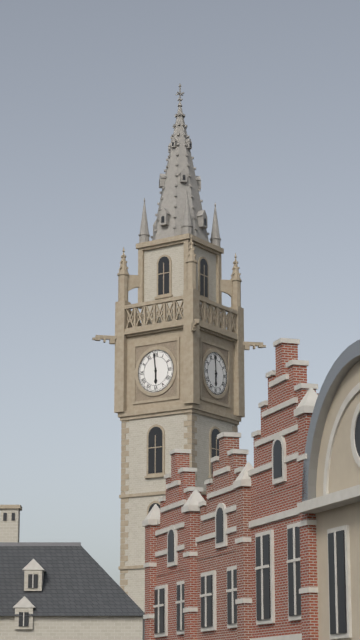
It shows {"hour": 5, "minute": 59}
